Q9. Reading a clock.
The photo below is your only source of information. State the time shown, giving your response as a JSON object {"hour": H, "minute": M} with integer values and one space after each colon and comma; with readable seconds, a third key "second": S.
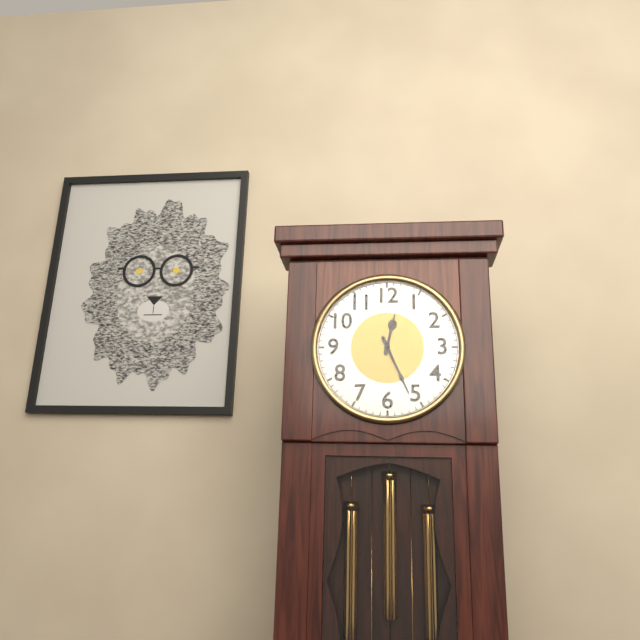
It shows {"hour": 12, "minute": 26}
